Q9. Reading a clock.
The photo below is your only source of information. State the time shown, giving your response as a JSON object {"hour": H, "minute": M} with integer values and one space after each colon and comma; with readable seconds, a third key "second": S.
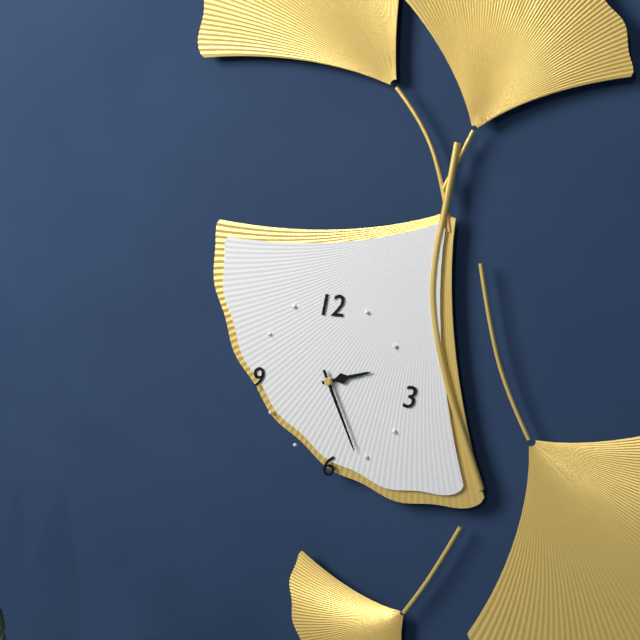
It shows {"hour": 2, "minute": 26}
